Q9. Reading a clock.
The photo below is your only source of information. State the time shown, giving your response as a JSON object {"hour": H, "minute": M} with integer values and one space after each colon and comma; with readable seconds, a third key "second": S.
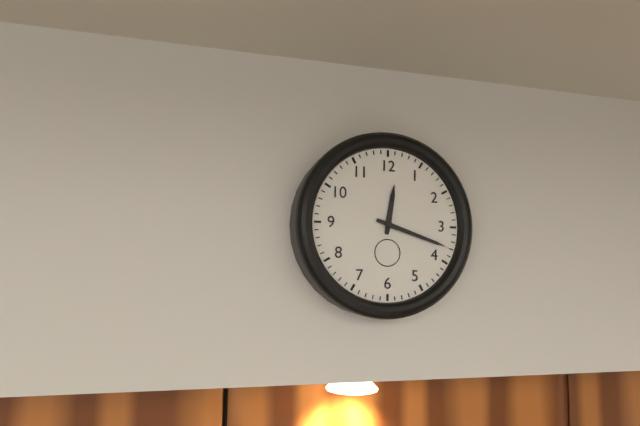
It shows {"hour": 12, "minute": 18}
